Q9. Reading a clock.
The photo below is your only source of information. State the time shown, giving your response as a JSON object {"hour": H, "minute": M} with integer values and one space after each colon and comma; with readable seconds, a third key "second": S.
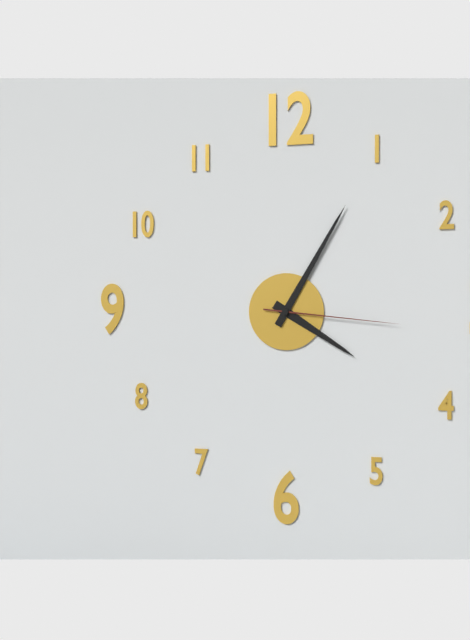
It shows {"hour": 4, "minute": 5, "second": 16}
